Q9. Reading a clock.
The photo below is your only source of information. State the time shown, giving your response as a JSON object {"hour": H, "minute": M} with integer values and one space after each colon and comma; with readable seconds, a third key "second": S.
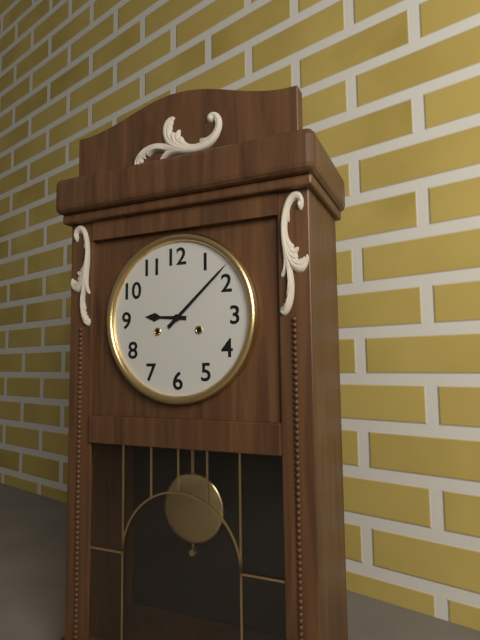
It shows {"hour": 9, "minute": 8}
